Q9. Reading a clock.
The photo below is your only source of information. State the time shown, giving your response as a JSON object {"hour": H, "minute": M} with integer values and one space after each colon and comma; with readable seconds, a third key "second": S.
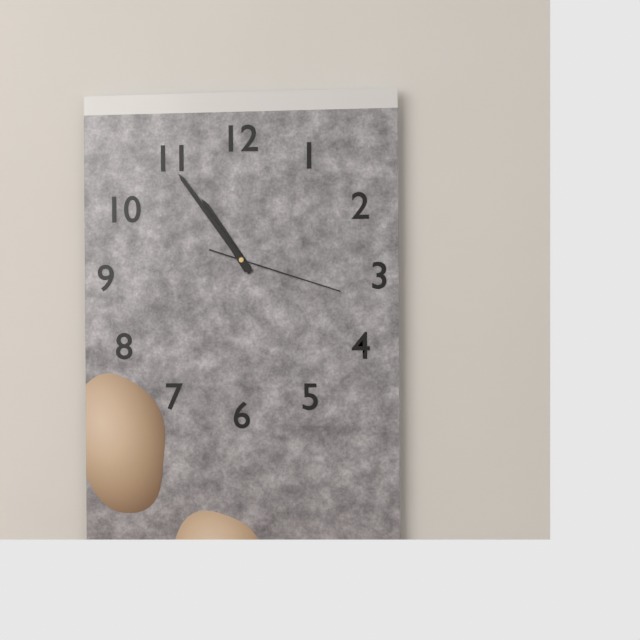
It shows {"hour": 10, "minute": 54, "second": 18}
